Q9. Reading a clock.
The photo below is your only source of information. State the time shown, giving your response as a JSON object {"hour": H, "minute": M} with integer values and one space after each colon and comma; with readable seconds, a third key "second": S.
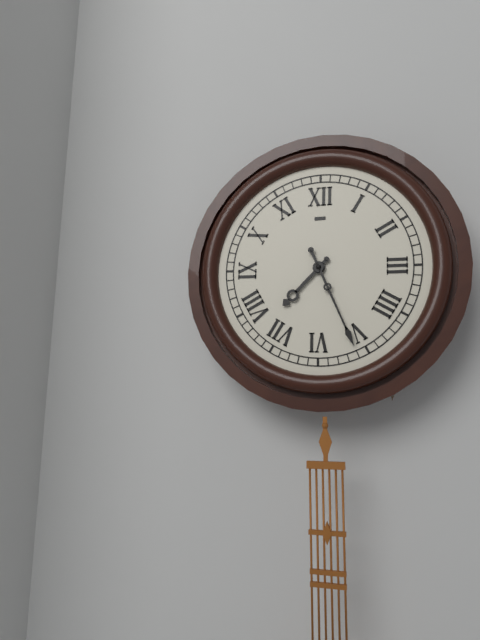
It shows {"hour": 7, "minute": 26}
